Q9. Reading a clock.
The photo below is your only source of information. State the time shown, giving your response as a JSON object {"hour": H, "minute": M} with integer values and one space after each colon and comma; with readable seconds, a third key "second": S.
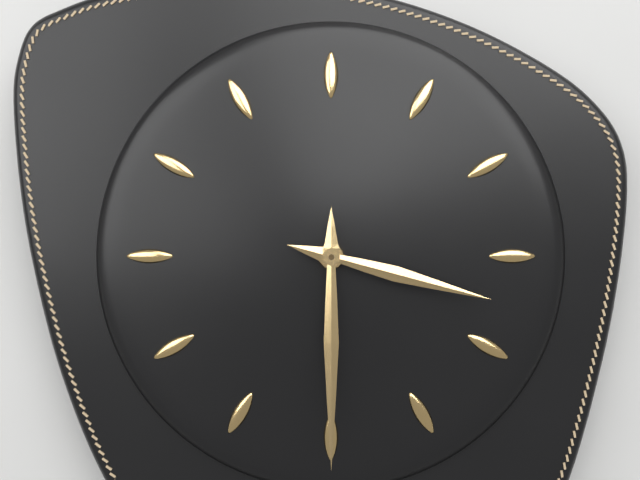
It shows {"hour": 3, "minute": 30}
